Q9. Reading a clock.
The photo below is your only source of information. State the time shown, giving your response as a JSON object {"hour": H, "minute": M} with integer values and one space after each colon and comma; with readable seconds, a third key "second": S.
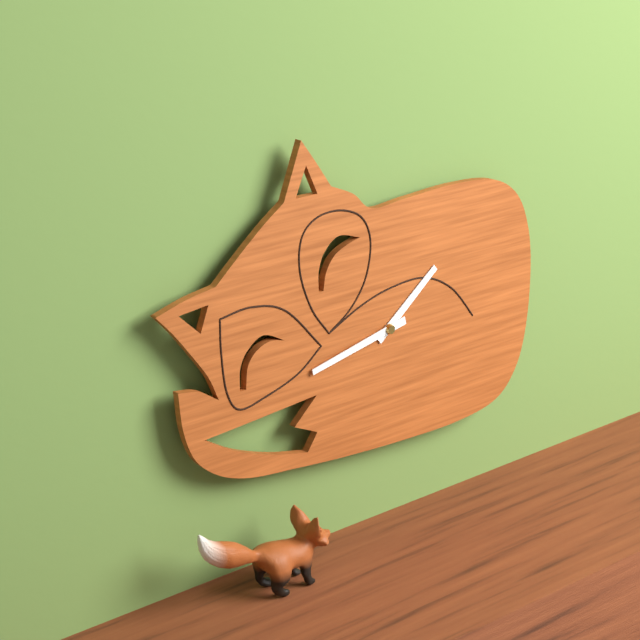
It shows {"hour": 1, "minute": 43}
